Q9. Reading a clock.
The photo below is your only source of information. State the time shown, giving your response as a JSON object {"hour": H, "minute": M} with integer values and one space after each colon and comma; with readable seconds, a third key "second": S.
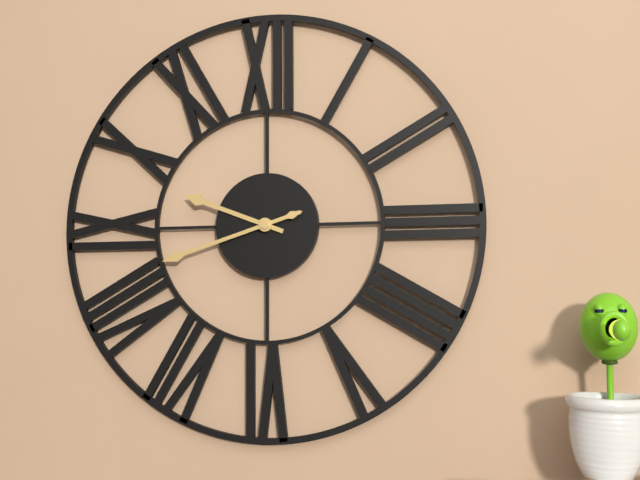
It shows {"hour": 9, "minute": 42}
